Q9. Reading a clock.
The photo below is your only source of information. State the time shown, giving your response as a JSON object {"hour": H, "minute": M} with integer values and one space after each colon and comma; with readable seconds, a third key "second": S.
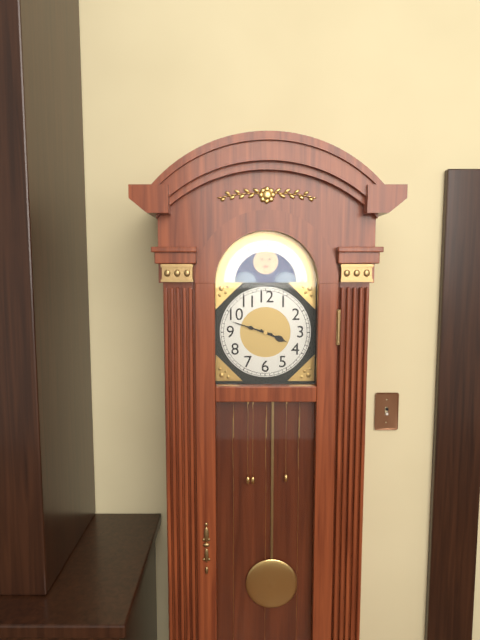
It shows {"hour": 3, "minute": 48}
